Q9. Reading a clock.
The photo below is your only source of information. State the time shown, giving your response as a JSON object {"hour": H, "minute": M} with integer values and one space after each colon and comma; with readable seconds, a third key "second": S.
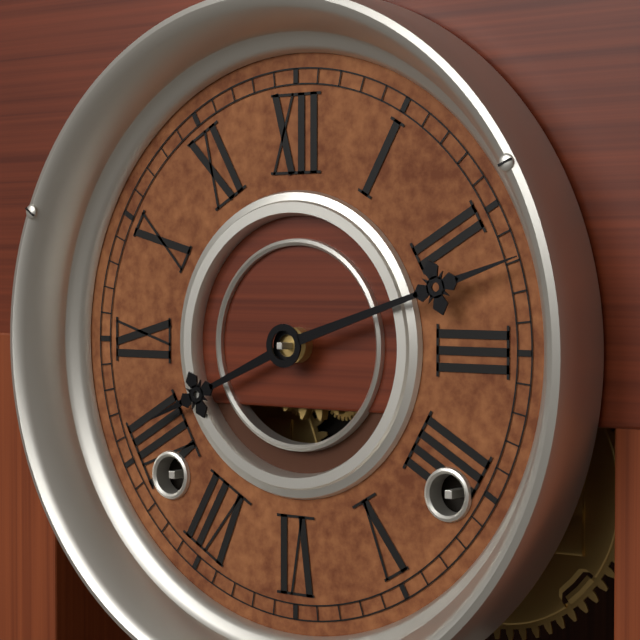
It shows {"hour": 8, "minute": 12}
